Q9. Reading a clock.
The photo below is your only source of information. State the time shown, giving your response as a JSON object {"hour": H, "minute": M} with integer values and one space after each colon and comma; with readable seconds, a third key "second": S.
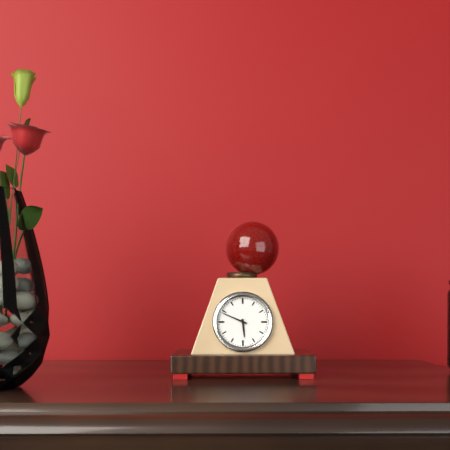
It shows {"hour": 5, "minute": 49}
